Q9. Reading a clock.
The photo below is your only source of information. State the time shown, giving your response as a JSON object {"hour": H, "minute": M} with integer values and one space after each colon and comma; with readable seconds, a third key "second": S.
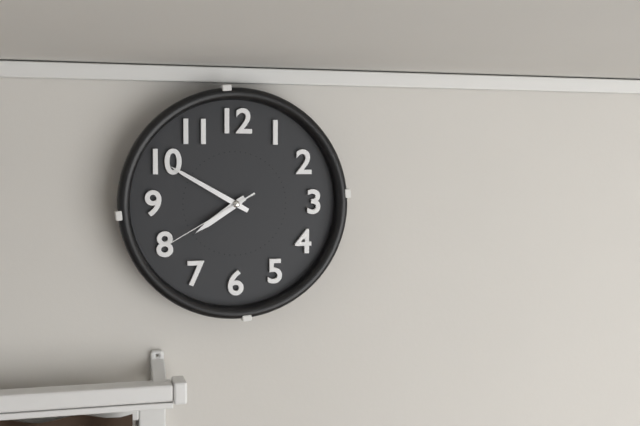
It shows {"hour": 7, "minute": 50, "second": 40}
